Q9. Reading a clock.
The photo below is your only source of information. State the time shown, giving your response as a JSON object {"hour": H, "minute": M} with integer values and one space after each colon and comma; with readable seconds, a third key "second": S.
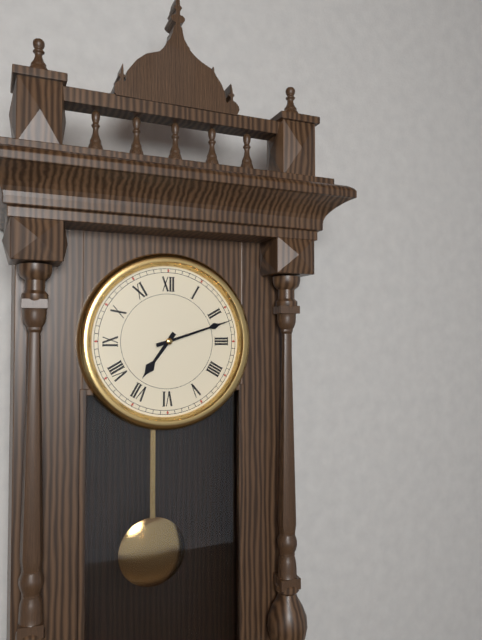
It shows {"hour": 7, "minute": 12}
